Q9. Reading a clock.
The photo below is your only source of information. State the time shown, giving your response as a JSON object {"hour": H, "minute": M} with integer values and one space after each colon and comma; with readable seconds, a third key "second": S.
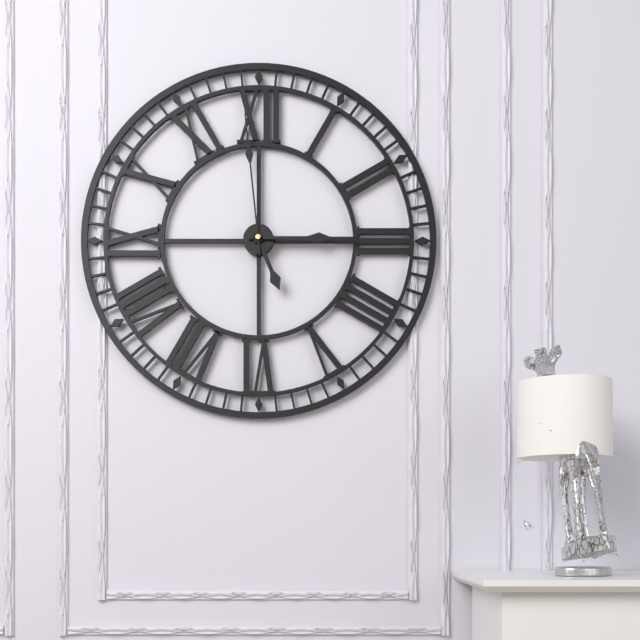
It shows {"hour": 5, "minute": 15, "second": 59}
